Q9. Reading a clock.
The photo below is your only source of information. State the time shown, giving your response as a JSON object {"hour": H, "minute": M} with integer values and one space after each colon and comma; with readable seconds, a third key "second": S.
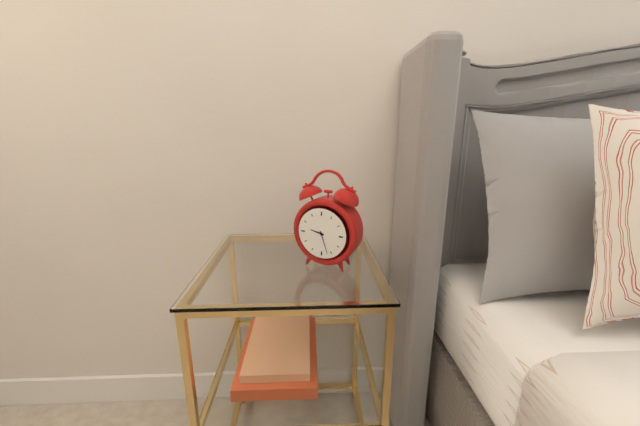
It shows {"hour": 9, "minute": 27}
